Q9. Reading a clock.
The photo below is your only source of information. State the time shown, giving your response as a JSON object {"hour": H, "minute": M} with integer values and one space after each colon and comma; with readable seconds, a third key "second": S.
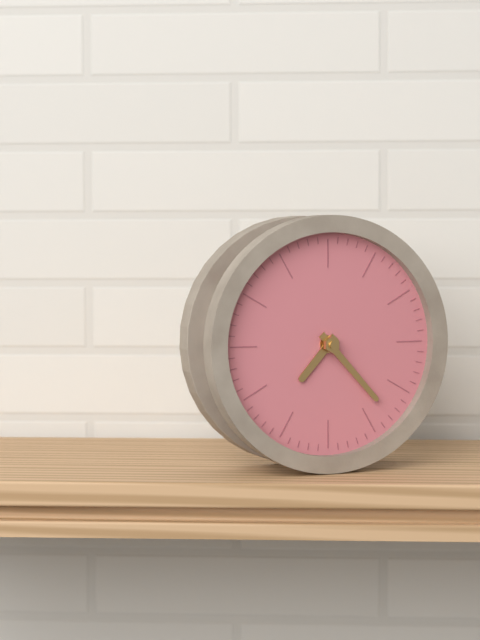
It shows {"hour": 7, "minute": 23}
